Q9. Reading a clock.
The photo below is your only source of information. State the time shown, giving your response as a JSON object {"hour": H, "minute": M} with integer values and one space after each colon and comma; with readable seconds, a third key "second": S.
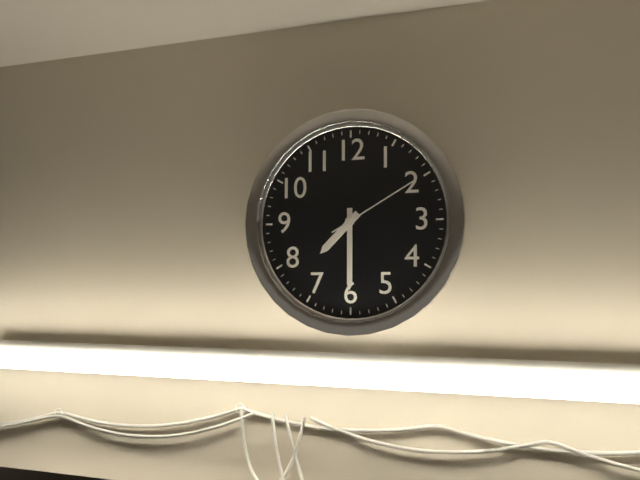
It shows {"hour": 7, "minute": 30, "second": 10}
